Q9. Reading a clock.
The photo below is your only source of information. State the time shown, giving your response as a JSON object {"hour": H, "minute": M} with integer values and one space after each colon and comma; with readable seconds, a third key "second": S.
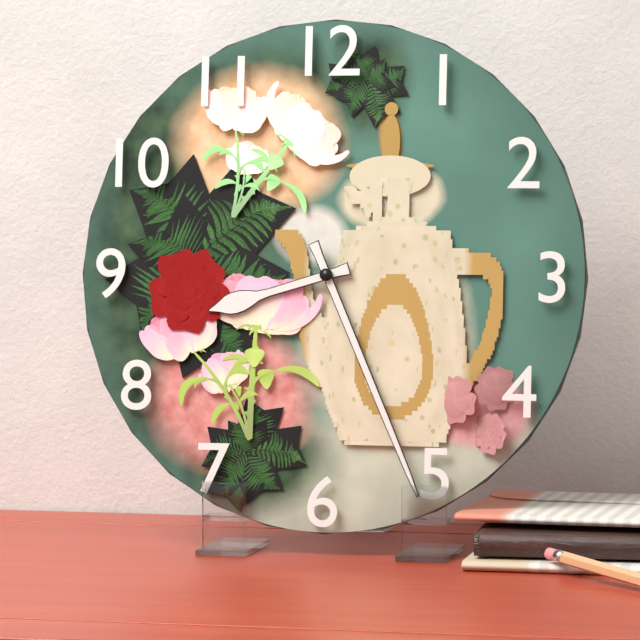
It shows {"hour": 8, "minute": 26}
